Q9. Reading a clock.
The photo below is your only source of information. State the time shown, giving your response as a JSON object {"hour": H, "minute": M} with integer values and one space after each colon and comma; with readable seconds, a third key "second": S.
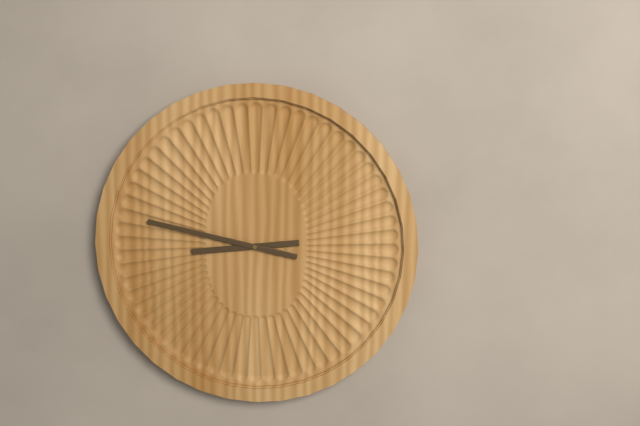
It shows {"hour": 8, "minute": 47}
